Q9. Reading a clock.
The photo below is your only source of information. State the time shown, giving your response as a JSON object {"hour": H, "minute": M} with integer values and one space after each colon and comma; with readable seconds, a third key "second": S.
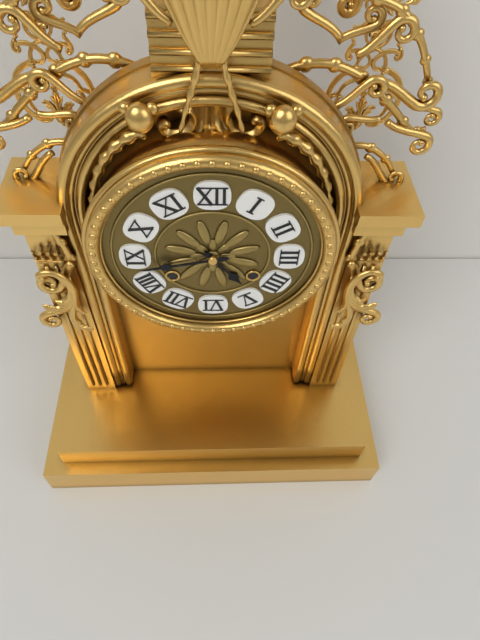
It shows {"hour": 4, "minute": 43}
